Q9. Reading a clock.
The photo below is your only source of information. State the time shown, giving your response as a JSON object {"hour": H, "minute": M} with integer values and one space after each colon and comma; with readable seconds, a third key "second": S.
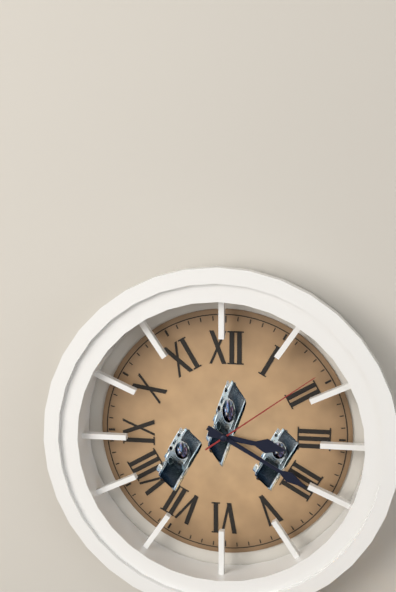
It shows {"hour": 3, "minute": 20, "second": 9}
